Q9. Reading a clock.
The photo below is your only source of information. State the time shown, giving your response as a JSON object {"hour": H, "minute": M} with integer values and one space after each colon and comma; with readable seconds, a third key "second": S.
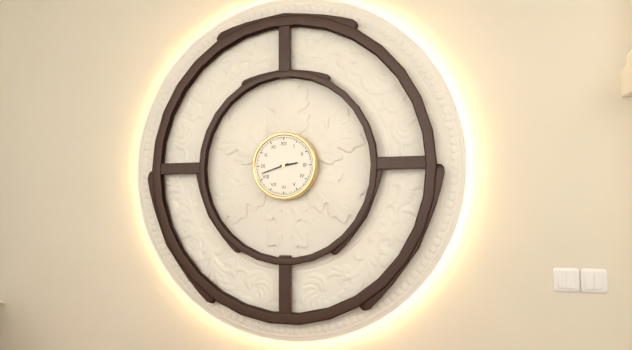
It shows {"hour": 2, "minute": 42}
